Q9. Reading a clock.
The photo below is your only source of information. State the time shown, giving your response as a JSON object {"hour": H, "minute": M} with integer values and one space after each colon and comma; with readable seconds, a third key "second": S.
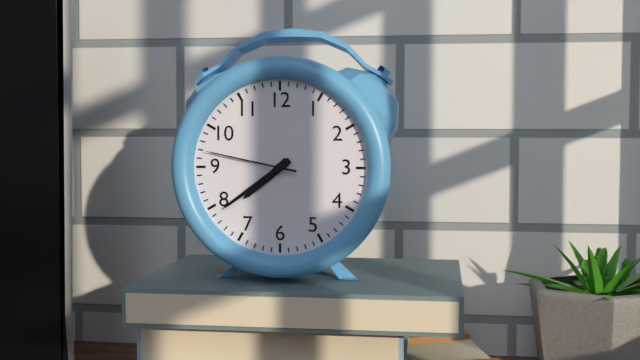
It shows {"hour": 7, "minute": 39, "second": 47}
